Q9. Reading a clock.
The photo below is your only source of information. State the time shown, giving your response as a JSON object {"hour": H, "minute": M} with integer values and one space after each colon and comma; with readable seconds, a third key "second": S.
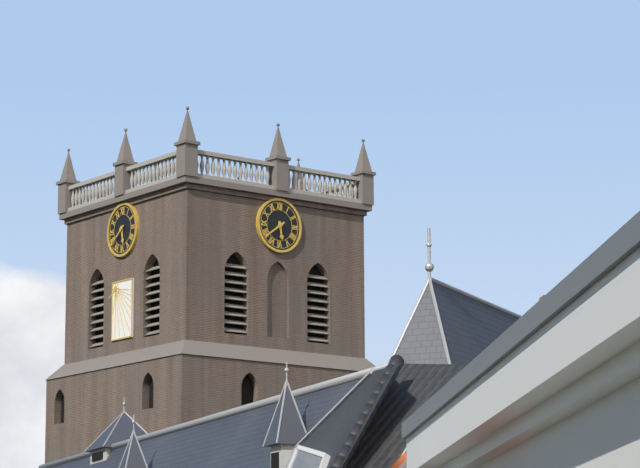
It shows {"hour": 5, "minute": 39}
